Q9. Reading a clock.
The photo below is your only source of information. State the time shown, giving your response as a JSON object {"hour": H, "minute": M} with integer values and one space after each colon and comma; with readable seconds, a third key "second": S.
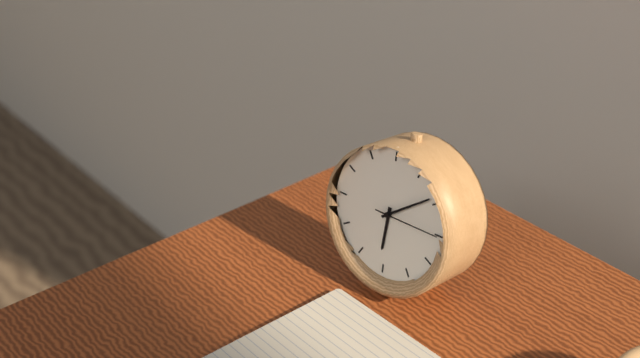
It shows {"hour": 6, "minute": 9, "second": 15}
